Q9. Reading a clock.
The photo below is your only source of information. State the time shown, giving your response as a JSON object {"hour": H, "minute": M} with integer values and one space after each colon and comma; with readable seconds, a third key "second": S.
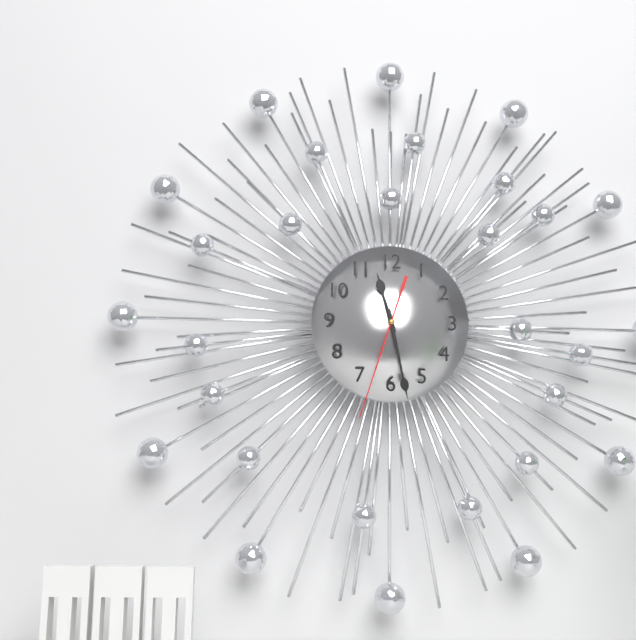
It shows {"hour": 11, "minute": 28, "second": 33}
